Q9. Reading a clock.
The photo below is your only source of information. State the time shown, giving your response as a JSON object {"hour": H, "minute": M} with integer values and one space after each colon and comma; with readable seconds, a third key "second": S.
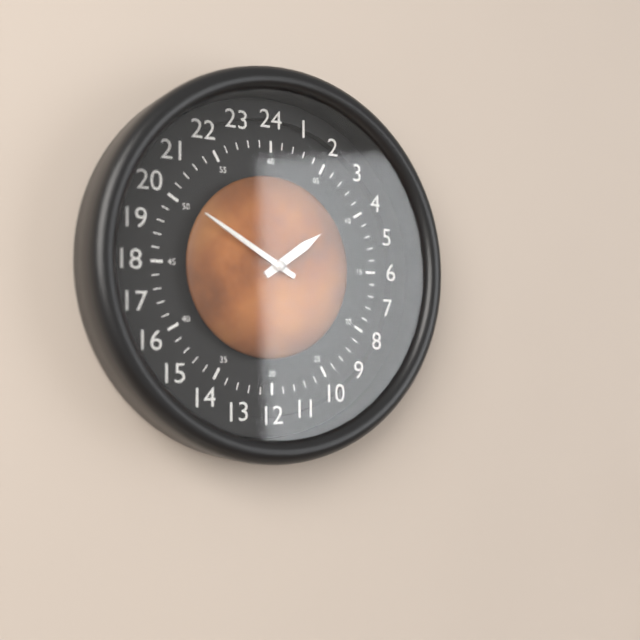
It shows {"hour": 1, "minute": 50}
